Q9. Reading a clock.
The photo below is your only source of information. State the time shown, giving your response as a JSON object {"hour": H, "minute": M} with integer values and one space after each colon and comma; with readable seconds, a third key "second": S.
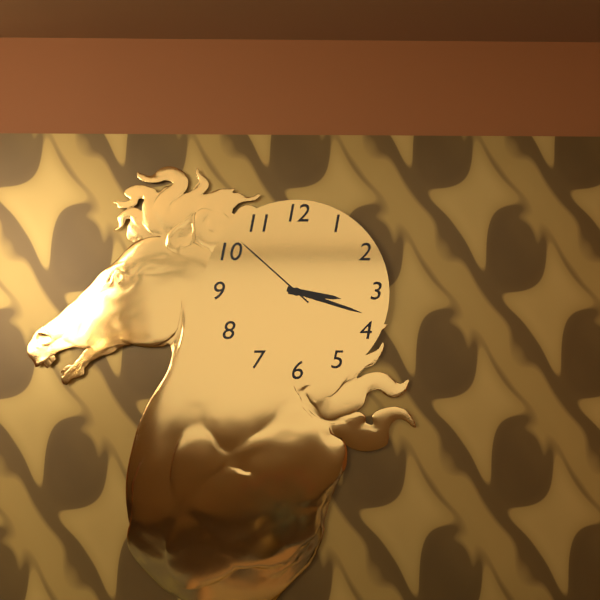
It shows {"hour": 3, "minute": 18, "second": 52}
